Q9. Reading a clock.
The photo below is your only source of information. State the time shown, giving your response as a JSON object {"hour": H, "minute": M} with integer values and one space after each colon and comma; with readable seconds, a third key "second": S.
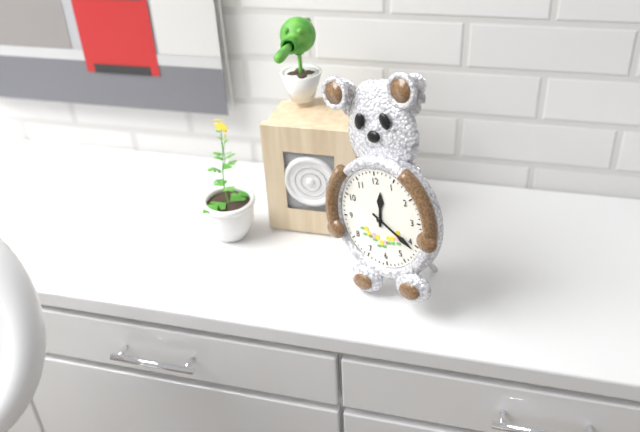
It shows {"hour": 12, "minute": 21}
